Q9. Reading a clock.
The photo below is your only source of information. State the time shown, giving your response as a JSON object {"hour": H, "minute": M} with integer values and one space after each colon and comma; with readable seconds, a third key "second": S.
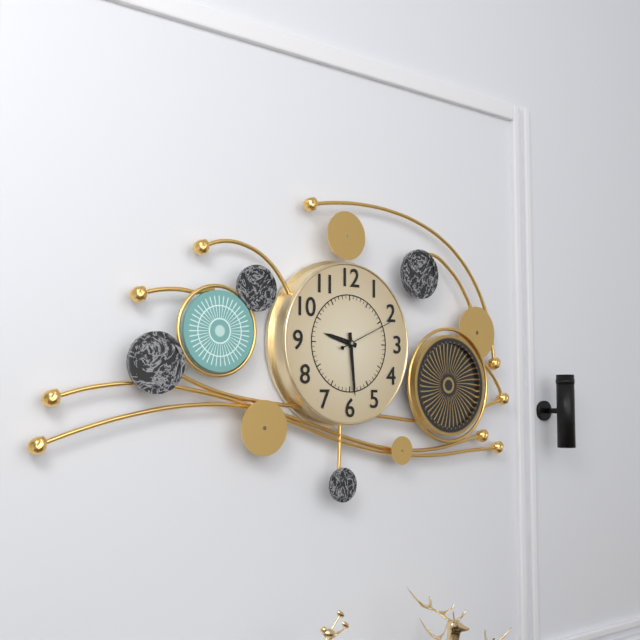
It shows {"hour": 9, "minute": 29, "second": 11}
